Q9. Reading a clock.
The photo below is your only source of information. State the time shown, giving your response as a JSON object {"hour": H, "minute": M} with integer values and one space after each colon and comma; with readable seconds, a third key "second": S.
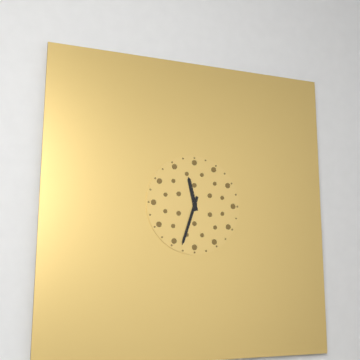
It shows {"hour": 11, "minute": 33}
